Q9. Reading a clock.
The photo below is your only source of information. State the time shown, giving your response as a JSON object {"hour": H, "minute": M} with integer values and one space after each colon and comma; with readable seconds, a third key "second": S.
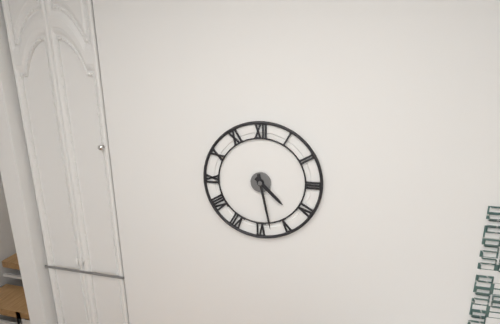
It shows {"hour": 4, "minute": 28}
